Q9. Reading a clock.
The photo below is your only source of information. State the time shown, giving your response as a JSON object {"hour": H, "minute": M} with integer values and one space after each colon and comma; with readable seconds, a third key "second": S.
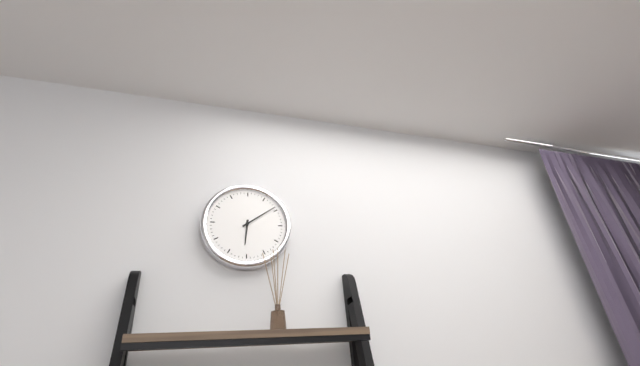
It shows {"hour": 6, "minute": 9}
